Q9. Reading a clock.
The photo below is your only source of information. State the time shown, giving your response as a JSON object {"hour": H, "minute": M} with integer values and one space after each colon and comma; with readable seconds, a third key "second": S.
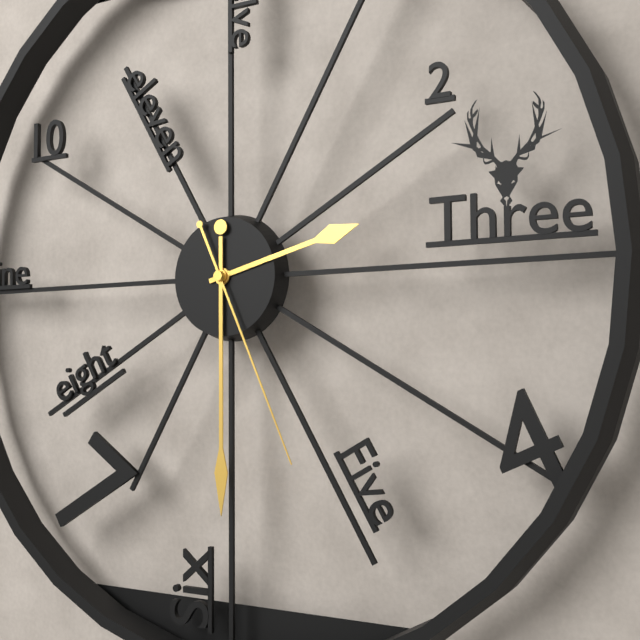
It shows {"hour": 2, "minute": 30, "second": 26}
